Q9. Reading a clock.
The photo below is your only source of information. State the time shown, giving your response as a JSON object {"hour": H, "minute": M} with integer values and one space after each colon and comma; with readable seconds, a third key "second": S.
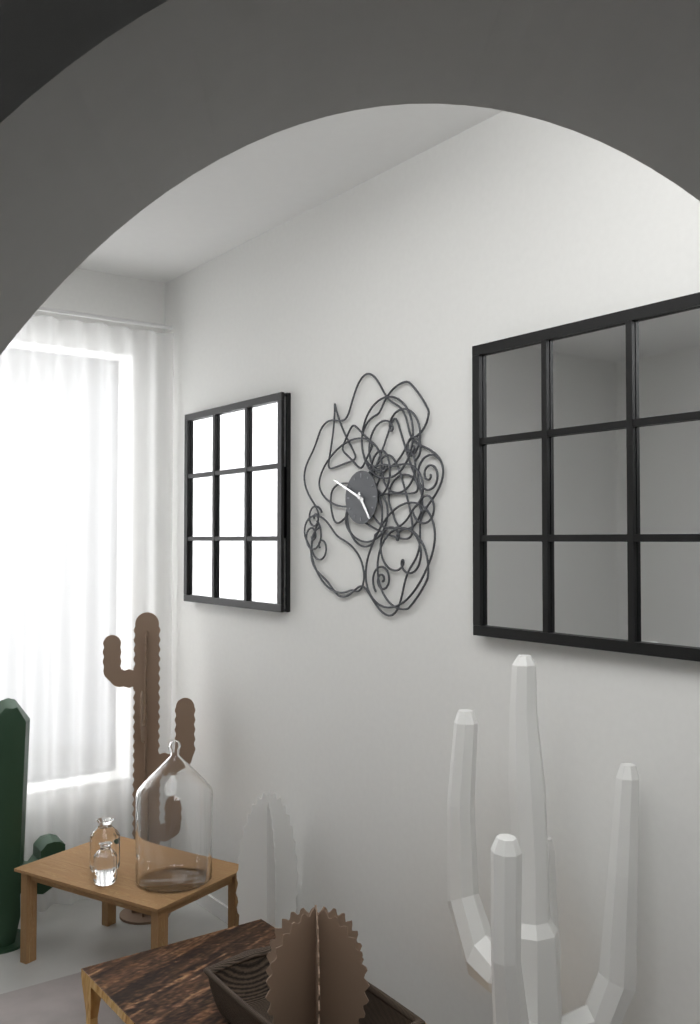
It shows {"hour": 4, "minute": 49}
